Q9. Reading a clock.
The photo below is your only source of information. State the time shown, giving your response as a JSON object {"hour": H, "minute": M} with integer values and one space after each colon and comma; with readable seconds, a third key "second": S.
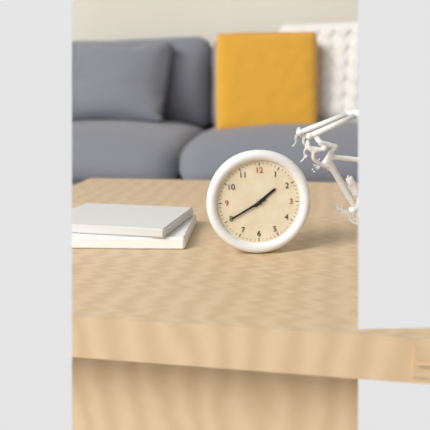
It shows {"hour": 1, "minute": 40}
